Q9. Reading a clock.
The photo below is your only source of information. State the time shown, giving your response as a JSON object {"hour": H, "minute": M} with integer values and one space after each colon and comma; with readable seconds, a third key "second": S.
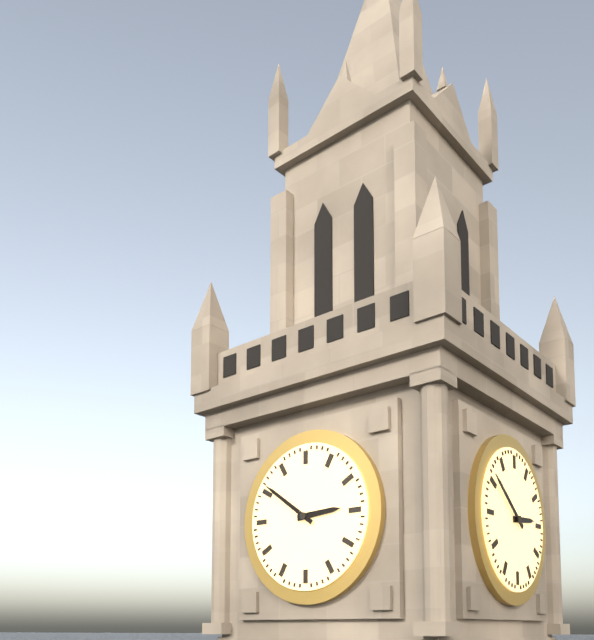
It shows {"hour": 2, "minute": 51}
